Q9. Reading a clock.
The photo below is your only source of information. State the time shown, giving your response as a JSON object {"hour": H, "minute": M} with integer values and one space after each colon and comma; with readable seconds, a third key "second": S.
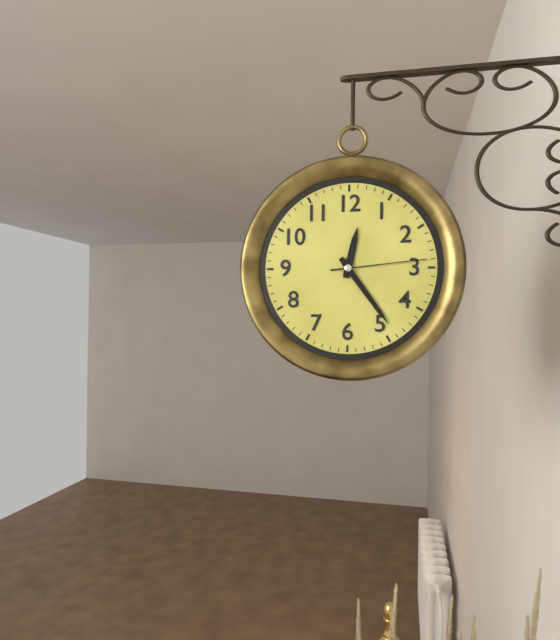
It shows {"hour": 12, "minute": 24, "second": 14}
